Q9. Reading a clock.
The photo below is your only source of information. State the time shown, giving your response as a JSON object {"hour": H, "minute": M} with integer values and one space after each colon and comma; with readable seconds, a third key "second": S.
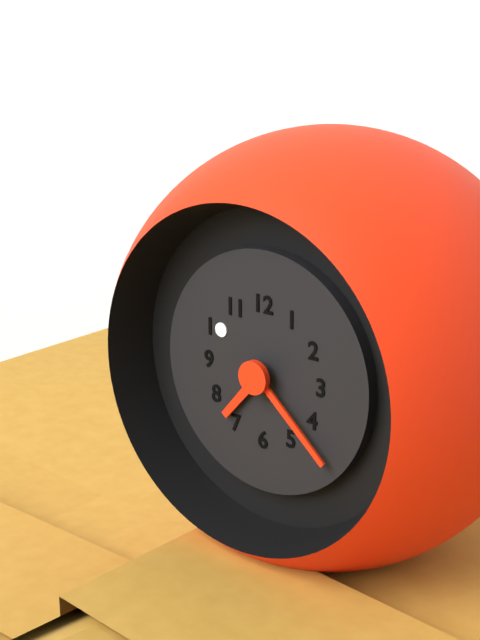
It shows {"hour": 7, "minute": 22}
